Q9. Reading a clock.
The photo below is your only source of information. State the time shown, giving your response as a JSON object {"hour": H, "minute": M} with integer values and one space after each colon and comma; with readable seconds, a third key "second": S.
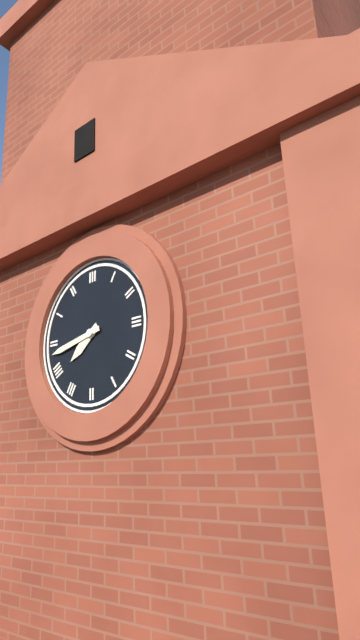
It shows {"hour": 7, "minute": 43}
